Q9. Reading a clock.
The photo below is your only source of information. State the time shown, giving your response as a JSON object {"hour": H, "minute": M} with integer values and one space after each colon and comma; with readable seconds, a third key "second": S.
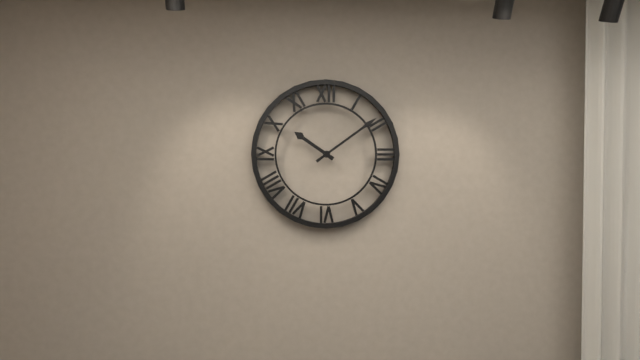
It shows {"hour": 10, "minute": 9}
